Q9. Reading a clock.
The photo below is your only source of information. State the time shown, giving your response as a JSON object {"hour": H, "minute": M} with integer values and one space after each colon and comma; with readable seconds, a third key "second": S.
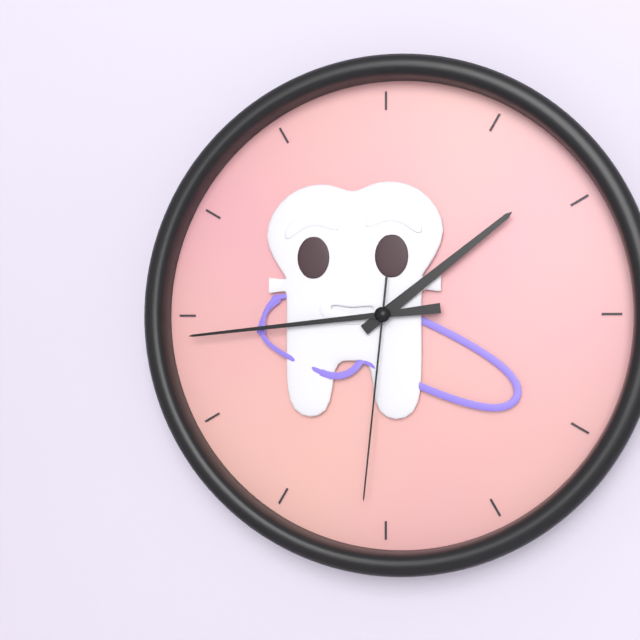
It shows {"hour": 1, "minute": 44, "second": 31}
